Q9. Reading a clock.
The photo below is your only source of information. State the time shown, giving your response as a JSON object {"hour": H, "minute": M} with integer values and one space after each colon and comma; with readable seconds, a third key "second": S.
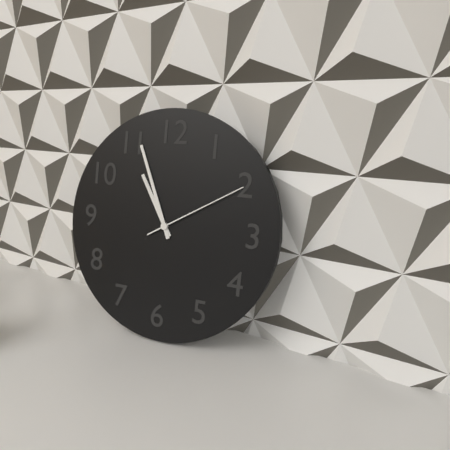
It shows {"hour": 10, "minute": 56, "second": 10}
